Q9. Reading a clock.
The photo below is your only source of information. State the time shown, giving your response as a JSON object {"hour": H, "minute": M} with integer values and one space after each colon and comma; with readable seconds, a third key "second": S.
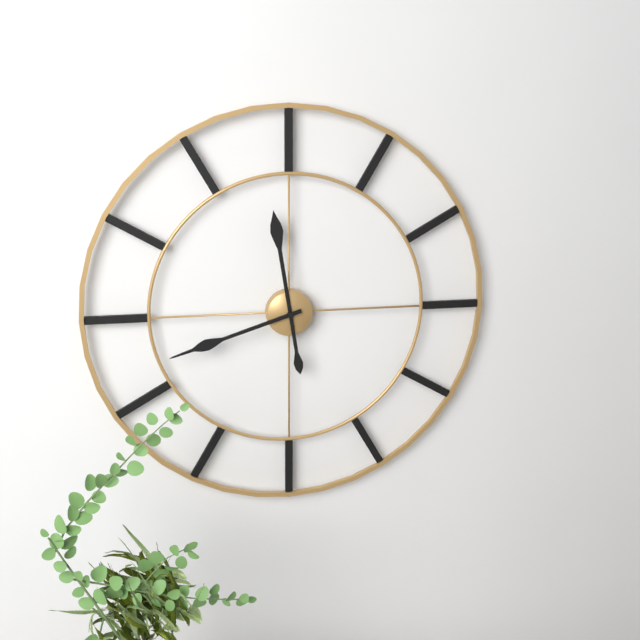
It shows {"hour": 11, "minute": 42}
